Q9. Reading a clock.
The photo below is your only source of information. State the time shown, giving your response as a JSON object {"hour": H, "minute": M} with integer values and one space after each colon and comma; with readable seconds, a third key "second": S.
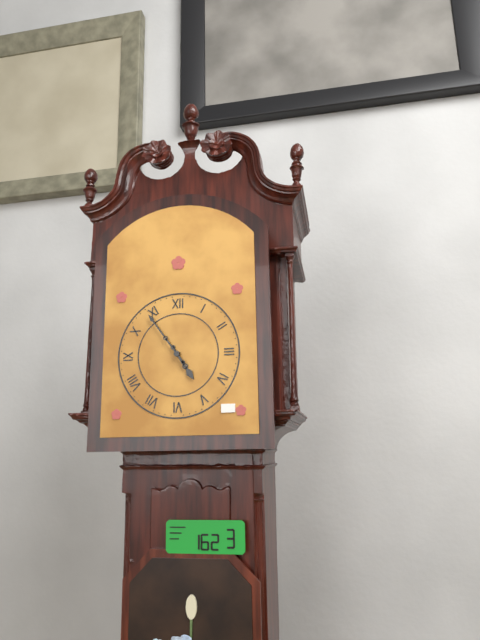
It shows {"hour": 4, "minute": 54}
